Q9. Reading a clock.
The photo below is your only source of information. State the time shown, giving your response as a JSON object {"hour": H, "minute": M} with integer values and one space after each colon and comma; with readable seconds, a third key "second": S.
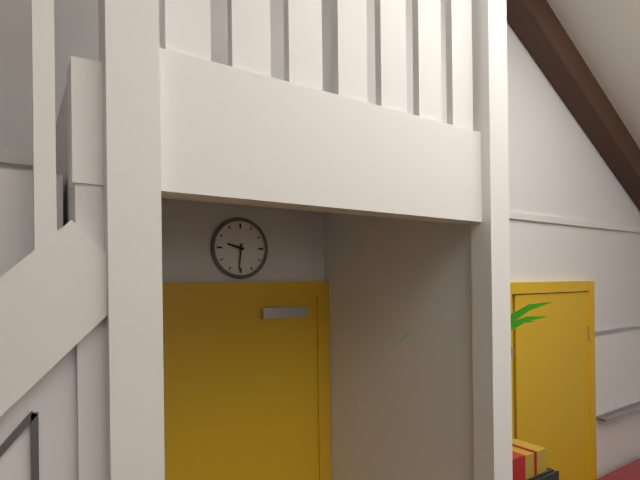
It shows {"hour": 9, "minute": 31}
